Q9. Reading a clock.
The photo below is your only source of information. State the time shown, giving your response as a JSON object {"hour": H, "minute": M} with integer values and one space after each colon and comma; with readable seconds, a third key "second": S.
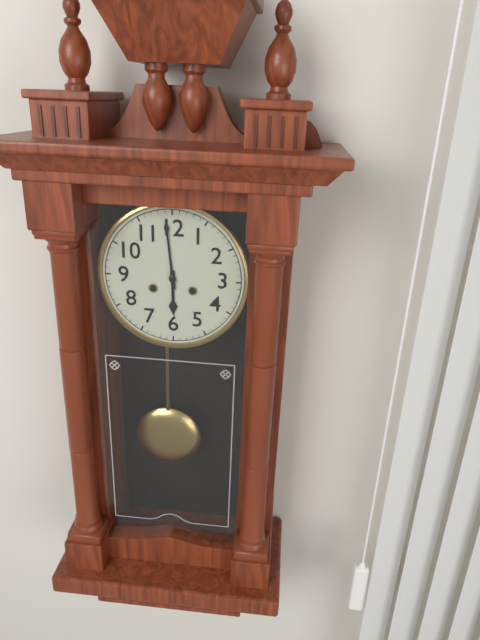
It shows {"hour": 5, "minute": 59}
